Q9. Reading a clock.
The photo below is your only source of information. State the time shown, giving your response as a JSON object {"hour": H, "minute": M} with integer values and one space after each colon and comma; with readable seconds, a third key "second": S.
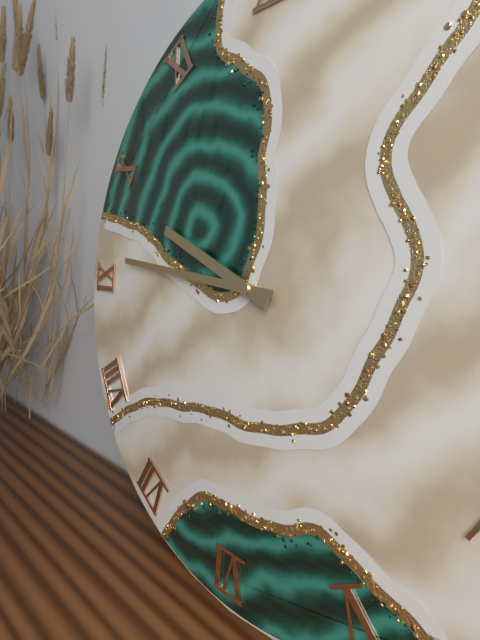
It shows {"hour": 9, "minute": 46}
